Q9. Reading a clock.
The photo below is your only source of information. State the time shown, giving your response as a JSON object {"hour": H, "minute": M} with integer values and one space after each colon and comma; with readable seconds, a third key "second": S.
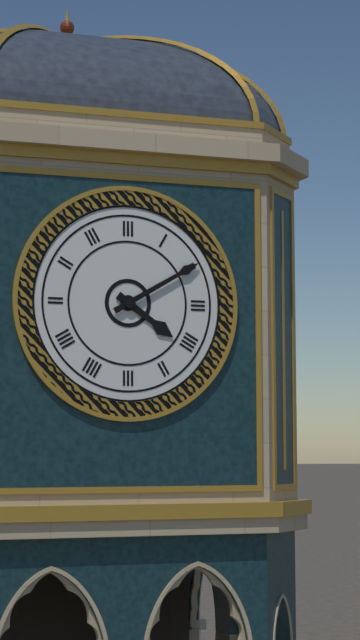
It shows {"hour": 4, "minute": 10}
